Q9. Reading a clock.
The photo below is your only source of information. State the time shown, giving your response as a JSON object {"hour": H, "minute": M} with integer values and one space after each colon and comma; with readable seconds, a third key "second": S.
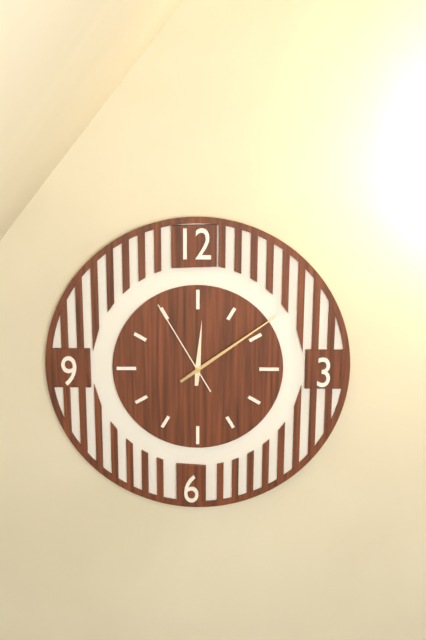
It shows {"hour": 12, "minute": 9, "second": 55}
